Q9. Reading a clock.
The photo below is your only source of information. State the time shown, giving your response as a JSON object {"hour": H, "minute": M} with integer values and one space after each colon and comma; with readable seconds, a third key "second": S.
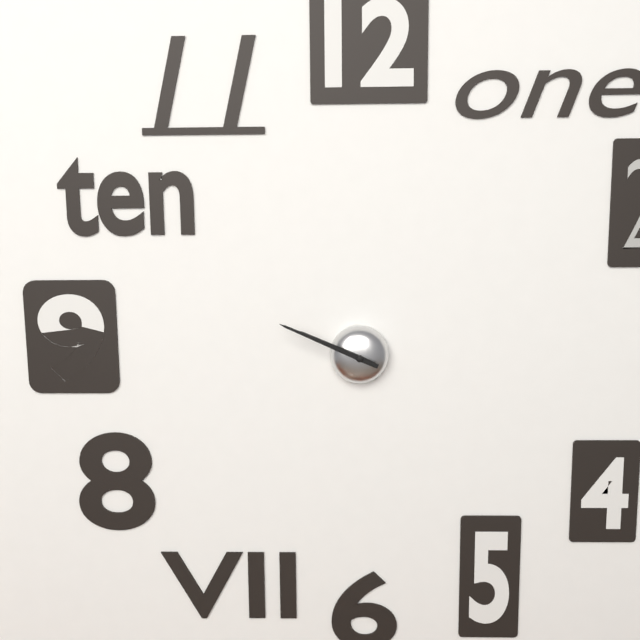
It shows {"hour": 9, "minute": 49}
